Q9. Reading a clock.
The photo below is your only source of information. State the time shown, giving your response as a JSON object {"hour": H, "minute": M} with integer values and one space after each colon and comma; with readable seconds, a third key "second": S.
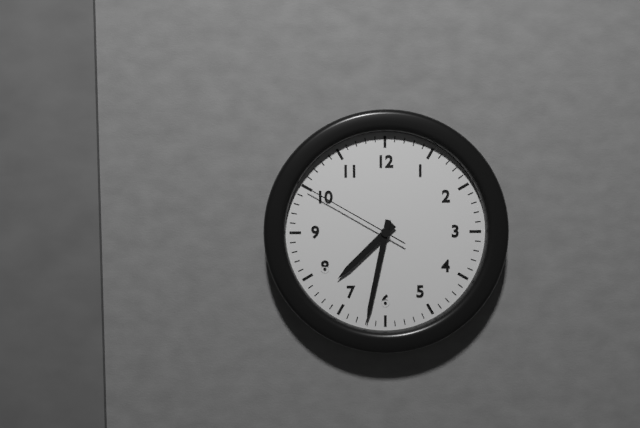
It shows {"hour": 7, "minute": 32, "second": 50}
